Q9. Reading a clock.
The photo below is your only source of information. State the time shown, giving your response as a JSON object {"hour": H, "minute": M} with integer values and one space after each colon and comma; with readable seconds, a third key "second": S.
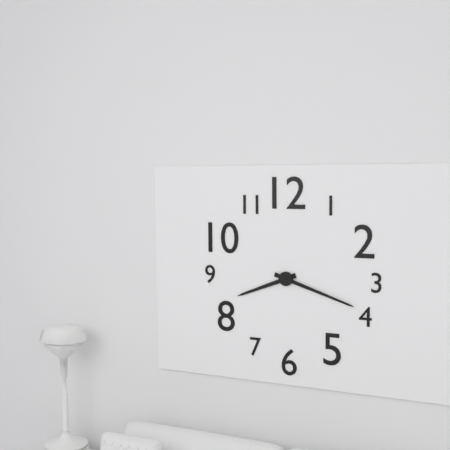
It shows {"hour": 8, "minute": 18}
